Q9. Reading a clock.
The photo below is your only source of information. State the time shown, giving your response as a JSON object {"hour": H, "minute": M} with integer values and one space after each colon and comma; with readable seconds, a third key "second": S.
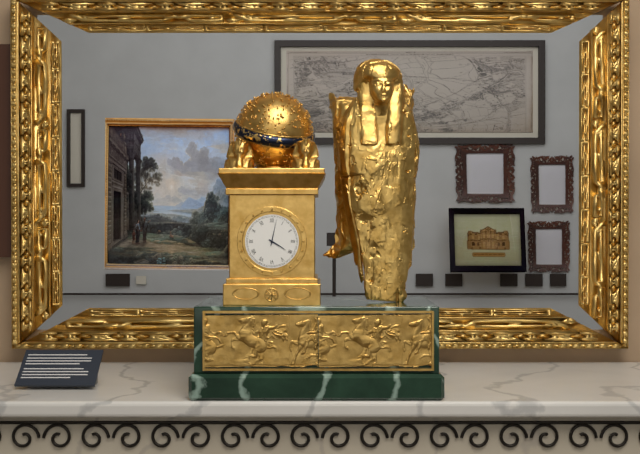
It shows {"hour": 4, "minute": 2}
